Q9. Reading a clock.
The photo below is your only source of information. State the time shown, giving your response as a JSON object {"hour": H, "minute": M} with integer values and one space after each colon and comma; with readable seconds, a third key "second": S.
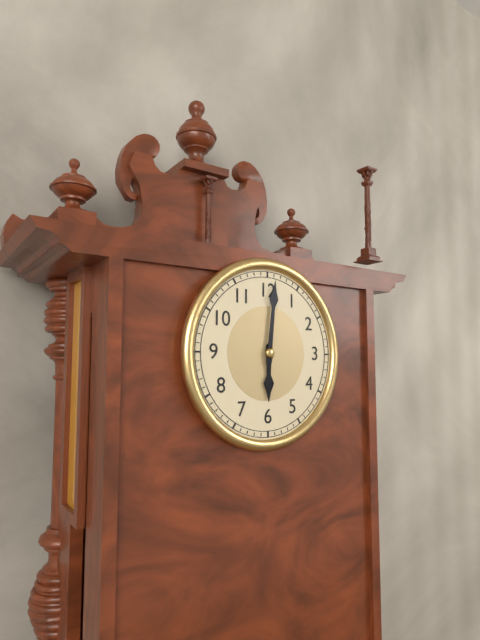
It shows {"hour": 6, "minute": 1}
